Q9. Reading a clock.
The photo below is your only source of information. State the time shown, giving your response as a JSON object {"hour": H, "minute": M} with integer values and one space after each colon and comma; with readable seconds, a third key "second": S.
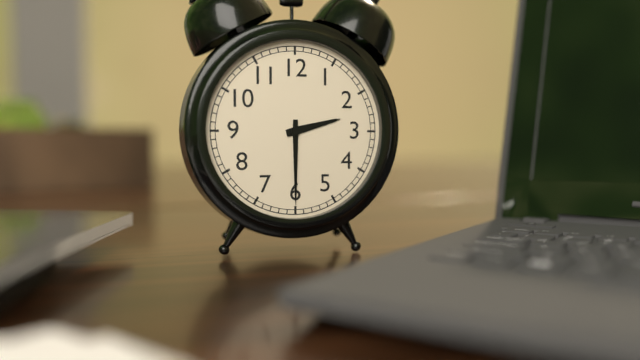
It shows {"hour": 2, "minute": 30}
